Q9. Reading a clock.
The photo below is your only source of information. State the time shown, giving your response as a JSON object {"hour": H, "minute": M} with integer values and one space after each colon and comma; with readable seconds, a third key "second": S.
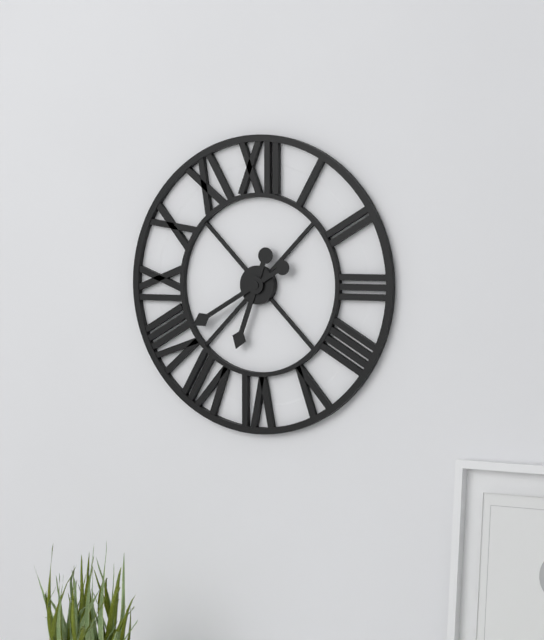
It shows {"hour": 6, "minute": 40}
